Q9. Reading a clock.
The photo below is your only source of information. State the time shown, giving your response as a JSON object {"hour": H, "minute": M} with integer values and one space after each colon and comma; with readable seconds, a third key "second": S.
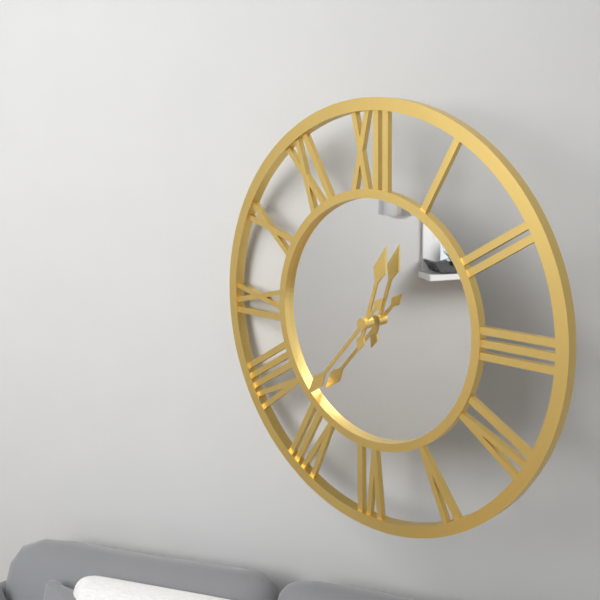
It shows {"hour": 12, "minute": 37}
